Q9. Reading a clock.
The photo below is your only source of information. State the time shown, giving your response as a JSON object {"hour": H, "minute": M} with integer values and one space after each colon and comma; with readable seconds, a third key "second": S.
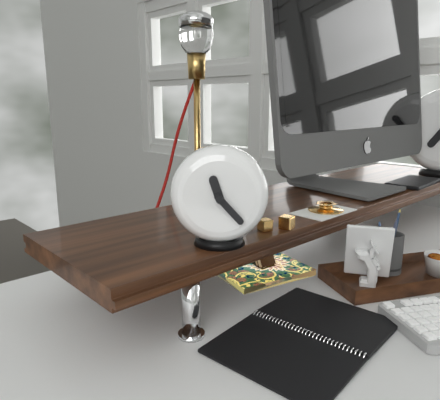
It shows {"hour": 11, "minute": 23}
